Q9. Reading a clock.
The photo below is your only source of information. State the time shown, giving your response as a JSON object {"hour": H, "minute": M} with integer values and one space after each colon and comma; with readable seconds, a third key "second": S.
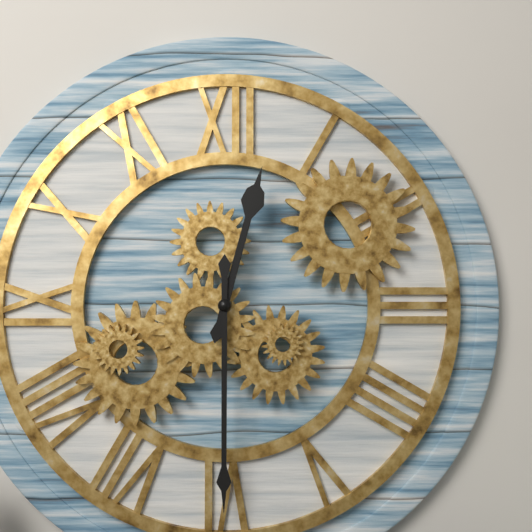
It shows {"hour": 12, "minute": 30}
